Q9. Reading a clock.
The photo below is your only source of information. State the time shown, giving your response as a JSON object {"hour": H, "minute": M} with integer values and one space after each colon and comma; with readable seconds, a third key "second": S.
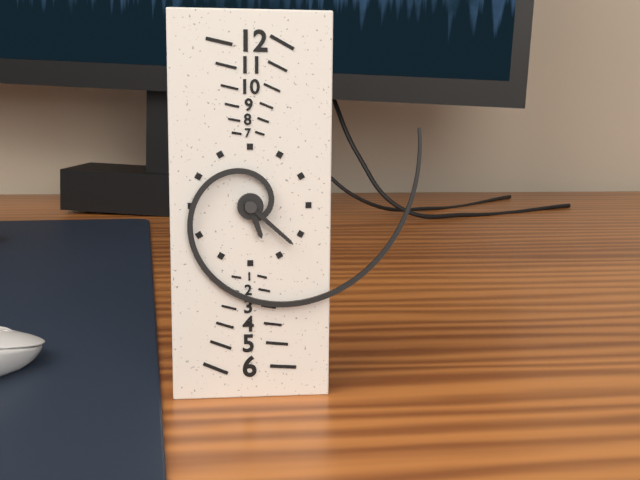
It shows {"hour": 5, "minute": 22}
